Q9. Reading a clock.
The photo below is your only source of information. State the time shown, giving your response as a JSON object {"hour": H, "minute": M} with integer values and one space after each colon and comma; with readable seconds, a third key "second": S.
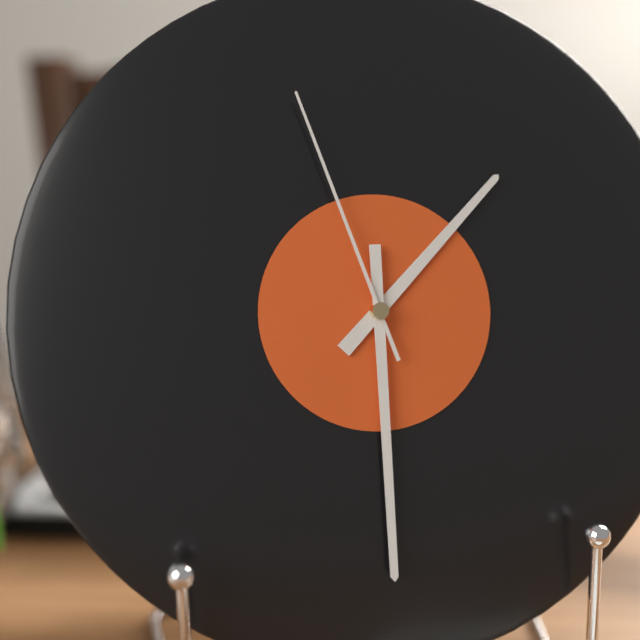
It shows {"hour": 1, "minute": 30, "second": 57}
